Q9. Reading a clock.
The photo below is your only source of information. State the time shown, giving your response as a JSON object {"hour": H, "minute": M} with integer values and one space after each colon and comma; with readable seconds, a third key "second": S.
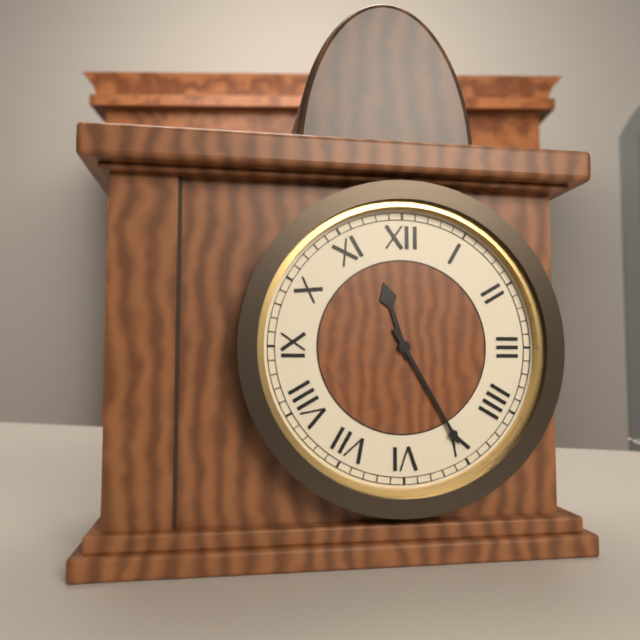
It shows {"hour": 11, "minute": 25}
